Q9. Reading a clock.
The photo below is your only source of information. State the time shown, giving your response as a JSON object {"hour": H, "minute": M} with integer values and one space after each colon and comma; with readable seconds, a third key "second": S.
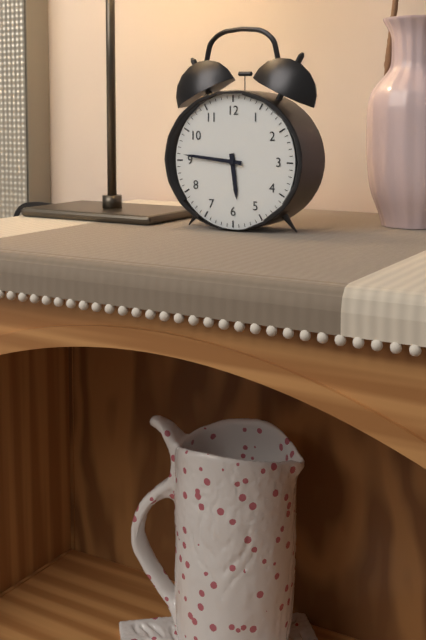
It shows {"hour": 5, "minute": 46}
